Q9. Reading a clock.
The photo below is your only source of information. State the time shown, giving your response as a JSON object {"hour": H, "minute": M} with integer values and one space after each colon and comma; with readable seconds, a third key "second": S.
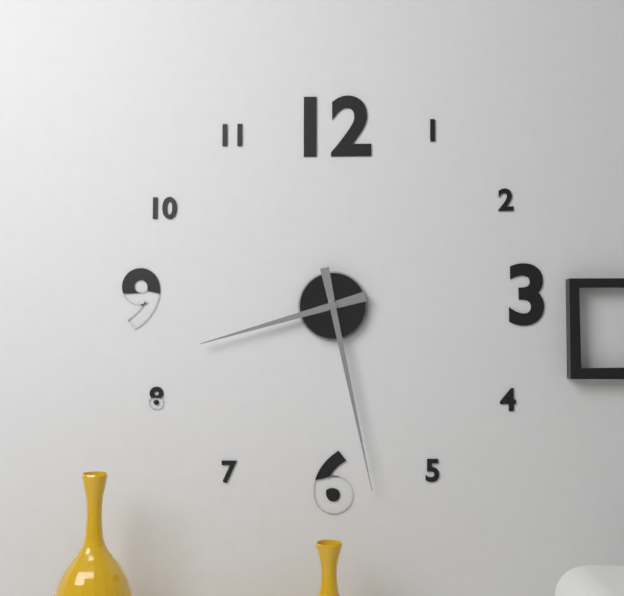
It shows {"hour": 8, "minute": 28}
